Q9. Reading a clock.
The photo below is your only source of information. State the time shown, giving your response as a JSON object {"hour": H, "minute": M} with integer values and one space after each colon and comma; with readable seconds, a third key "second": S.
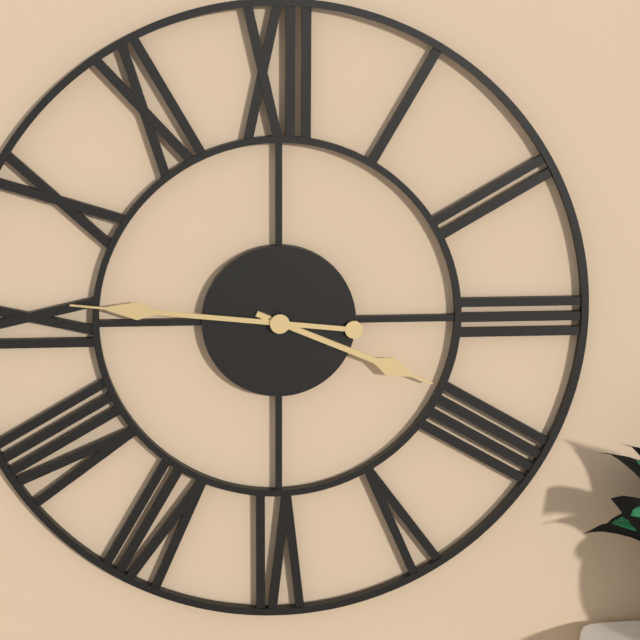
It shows {"hour": 3, "minute": 46}
